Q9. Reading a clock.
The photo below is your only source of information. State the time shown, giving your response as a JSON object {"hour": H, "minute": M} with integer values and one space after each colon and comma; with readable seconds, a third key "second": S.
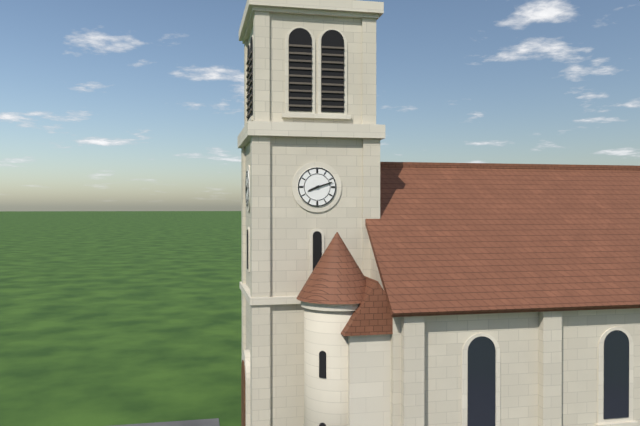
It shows {"hour": 8, "minute": 12}
